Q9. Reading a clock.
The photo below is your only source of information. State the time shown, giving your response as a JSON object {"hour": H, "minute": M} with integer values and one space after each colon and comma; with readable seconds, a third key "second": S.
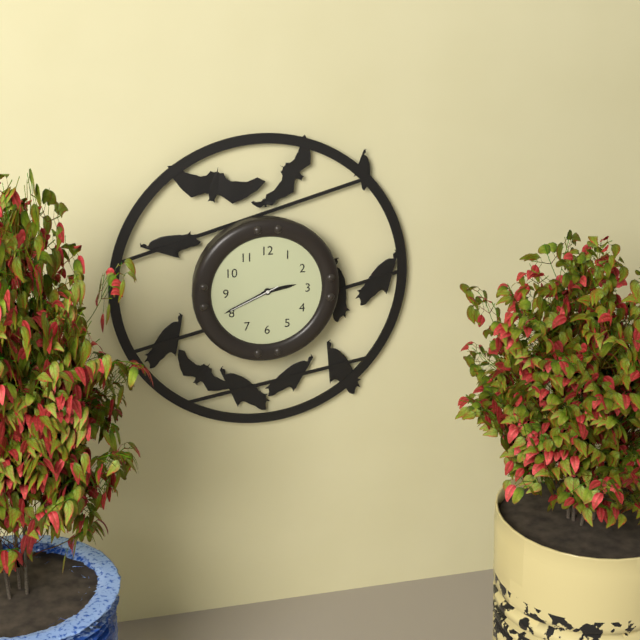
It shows {"hour": 2, "minute": 41, "second": 41}
